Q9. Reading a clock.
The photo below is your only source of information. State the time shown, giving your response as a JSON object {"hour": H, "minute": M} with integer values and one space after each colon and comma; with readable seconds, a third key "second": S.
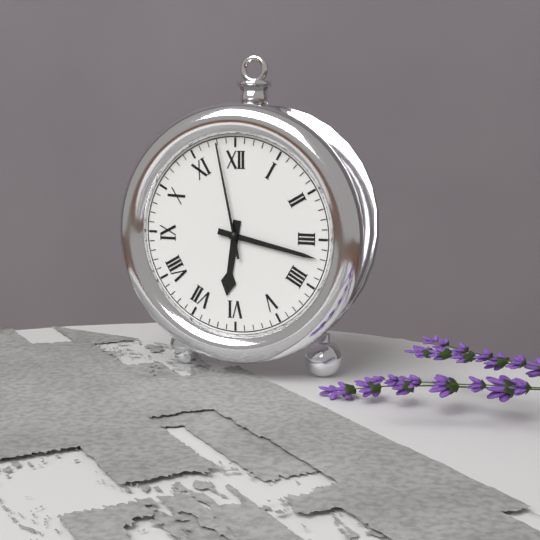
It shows {"hour": 6, "minute": 17, "second": 58}
